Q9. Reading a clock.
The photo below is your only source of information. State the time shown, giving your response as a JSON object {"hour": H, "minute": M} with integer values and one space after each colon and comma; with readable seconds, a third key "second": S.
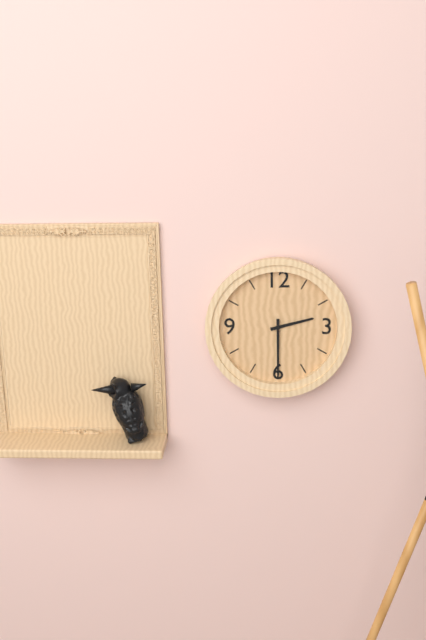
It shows {"hour": 2, "minute": 30}
